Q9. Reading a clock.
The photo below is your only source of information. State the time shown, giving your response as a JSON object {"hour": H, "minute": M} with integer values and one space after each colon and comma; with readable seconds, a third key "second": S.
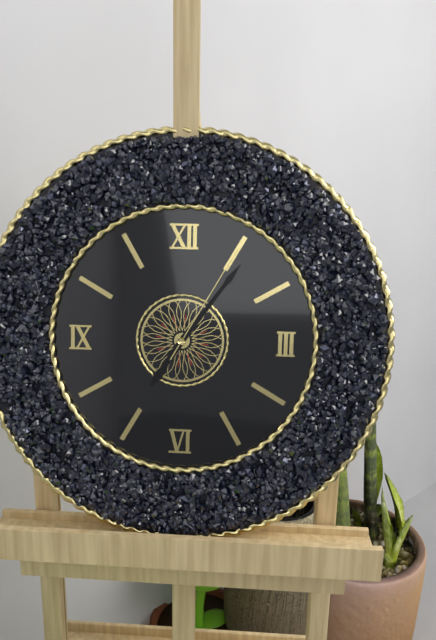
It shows {"hour": 7, "minute": 6, "second": 5}
